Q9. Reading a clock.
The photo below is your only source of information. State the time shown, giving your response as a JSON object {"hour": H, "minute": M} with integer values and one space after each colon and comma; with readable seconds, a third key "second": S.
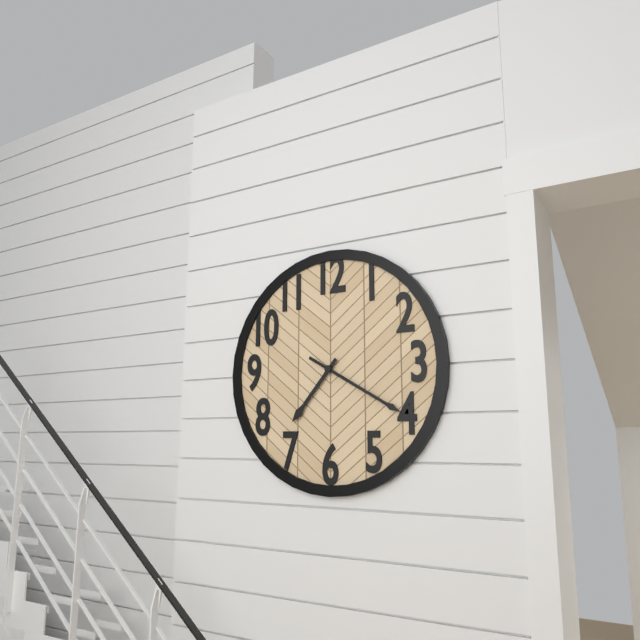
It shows {"hour": 7, "minute": 20}
